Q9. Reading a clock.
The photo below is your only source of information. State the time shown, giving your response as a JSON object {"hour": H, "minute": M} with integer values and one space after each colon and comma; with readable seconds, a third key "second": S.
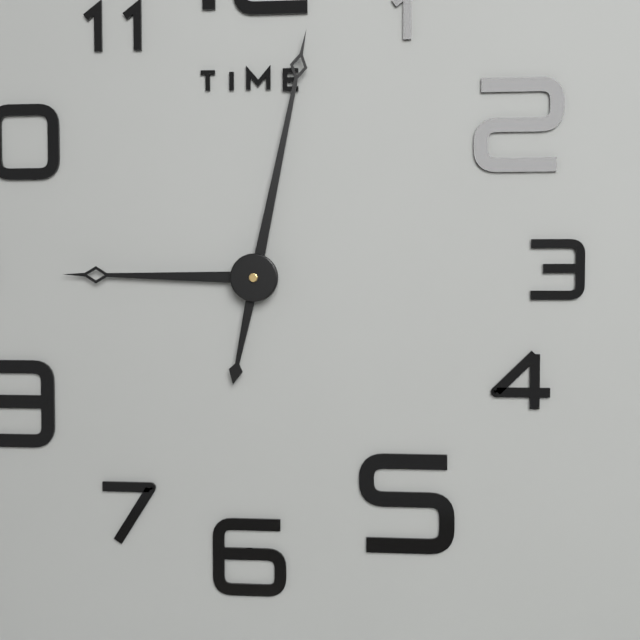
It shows {"hour": 9, "minute": 2}
